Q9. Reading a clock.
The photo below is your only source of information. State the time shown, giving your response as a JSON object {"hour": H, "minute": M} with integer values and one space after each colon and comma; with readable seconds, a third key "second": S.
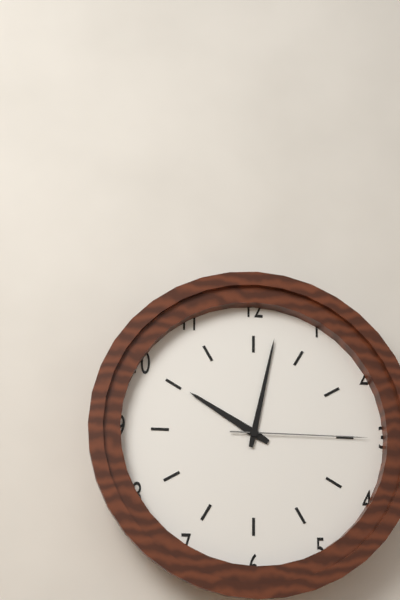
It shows {"hour": 10, "minute": 2, "second": 15}
